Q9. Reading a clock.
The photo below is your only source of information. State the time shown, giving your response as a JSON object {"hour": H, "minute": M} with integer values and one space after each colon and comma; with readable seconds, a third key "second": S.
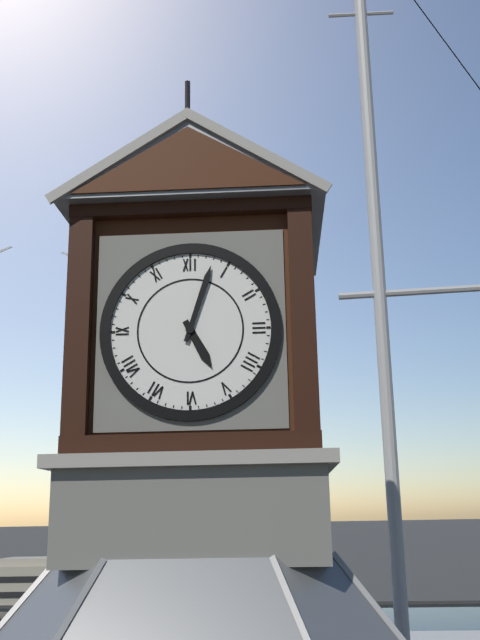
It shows {"hour": 5, "minute": 3}
